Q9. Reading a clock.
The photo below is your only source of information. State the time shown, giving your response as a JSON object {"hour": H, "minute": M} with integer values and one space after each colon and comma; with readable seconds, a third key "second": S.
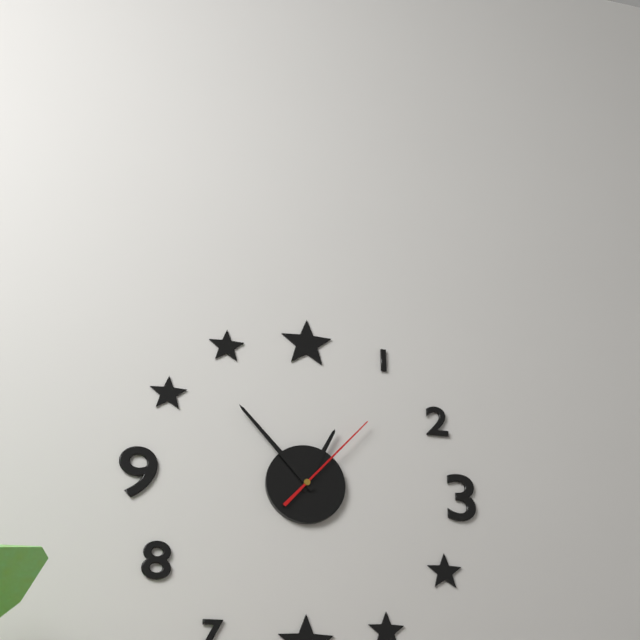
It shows {"hour": 12, "minute": 53, "second": 7}
